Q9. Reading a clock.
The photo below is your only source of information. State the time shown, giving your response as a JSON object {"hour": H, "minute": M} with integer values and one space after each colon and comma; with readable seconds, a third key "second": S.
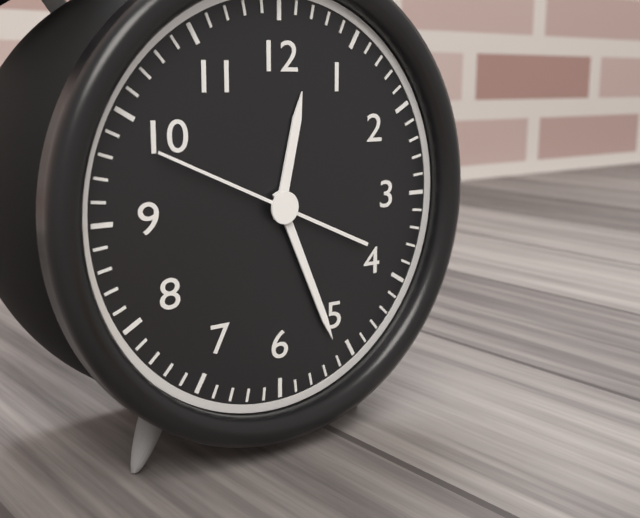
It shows {"hour": 12, "minute": 26, "second": 49}
